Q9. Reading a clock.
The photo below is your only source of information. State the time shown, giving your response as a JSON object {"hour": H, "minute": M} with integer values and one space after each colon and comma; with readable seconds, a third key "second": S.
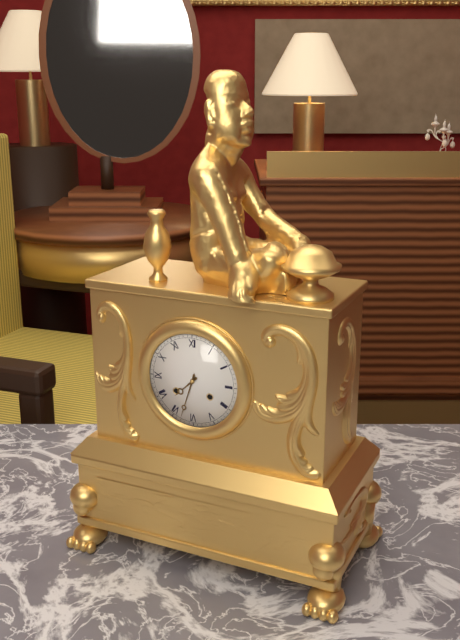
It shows {"hour": 7, "minute": 33}
